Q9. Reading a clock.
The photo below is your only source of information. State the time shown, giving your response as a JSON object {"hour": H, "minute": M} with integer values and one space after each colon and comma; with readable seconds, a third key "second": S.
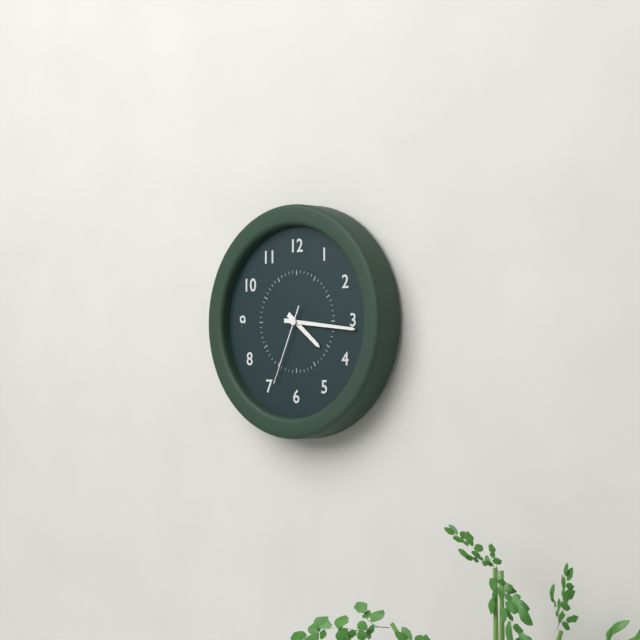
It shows {"hour": 4, "minute": 16, "second": 34}
